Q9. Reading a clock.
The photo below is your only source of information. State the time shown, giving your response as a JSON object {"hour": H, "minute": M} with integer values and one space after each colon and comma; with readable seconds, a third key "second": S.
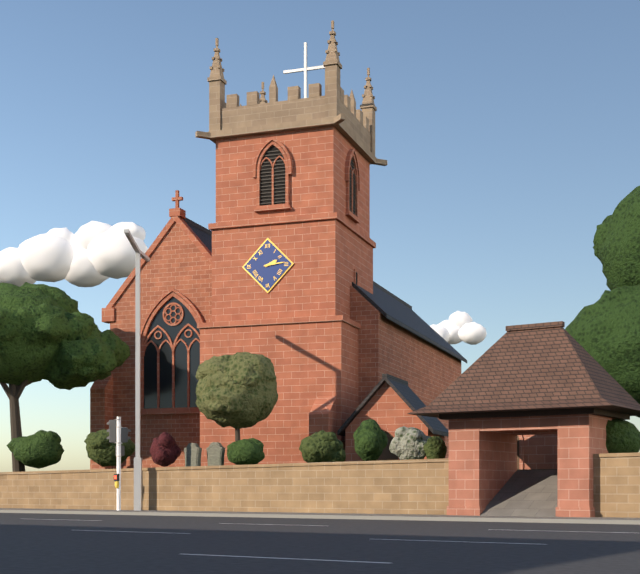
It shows {"hour": 2, "minute": 14}
